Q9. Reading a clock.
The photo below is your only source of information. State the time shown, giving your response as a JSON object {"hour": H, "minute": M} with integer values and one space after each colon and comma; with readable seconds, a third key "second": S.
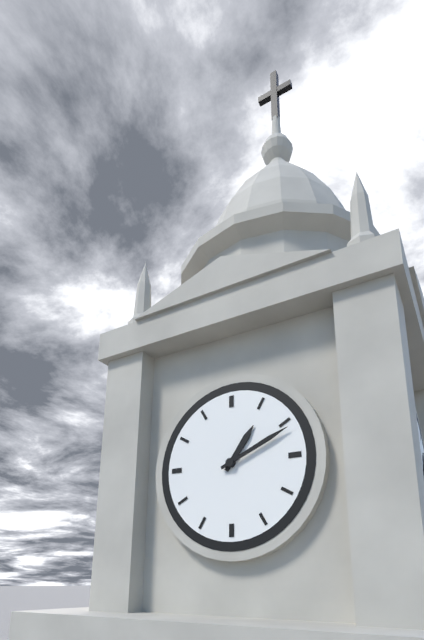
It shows {"hour": 1, "minute": 11}
